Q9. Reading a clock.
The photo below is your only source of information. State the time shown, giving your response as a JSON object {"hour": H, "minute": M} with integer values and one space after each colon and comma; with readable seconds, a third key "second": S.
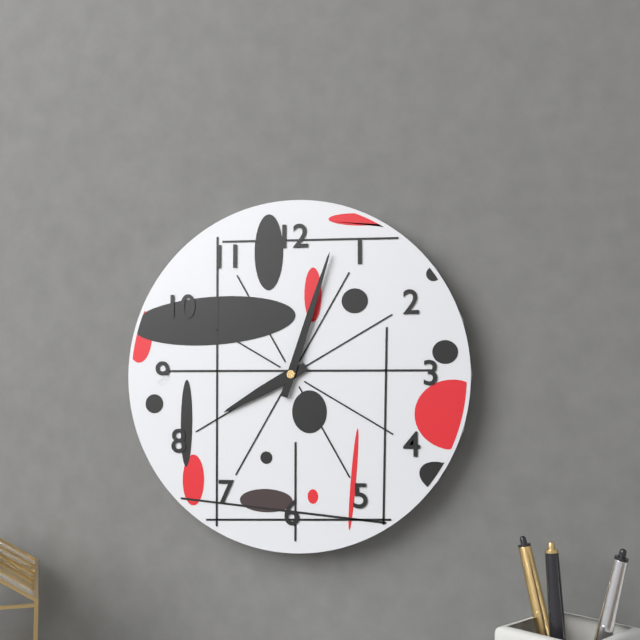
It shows {"hour": 8, "minute": 3}
